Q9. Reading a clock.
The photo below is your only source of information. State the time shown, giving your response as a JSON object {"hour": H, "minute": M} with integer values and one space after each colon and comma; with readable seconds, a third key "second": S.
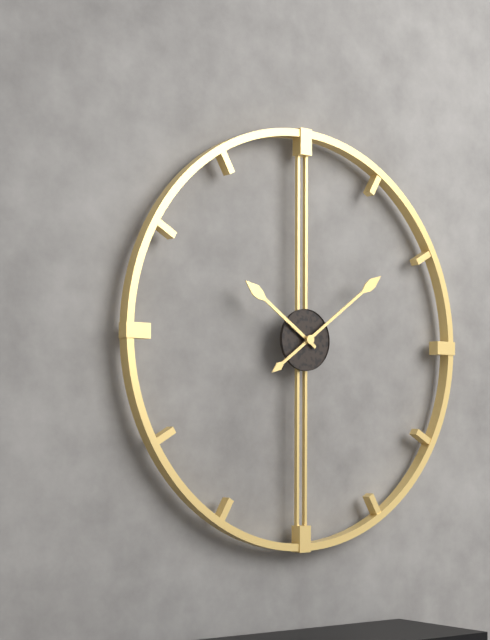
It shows {"hour": 10, "minute": 9}
